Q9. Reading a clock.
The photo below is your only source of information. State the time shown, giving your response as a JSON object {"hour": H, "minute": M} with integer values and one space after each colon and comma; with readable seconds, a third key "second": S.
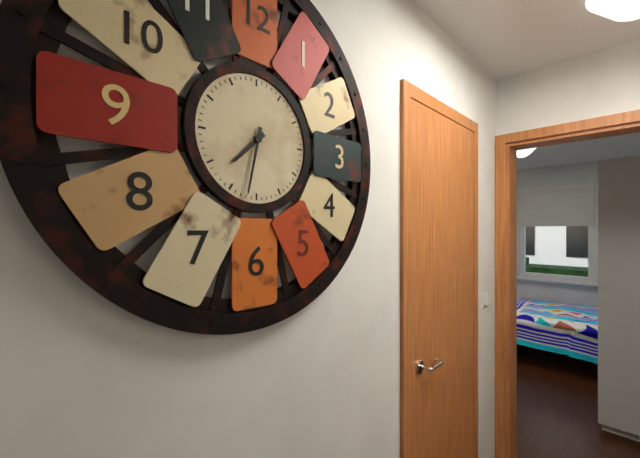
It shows {"hour": 7, "minute": 32}
